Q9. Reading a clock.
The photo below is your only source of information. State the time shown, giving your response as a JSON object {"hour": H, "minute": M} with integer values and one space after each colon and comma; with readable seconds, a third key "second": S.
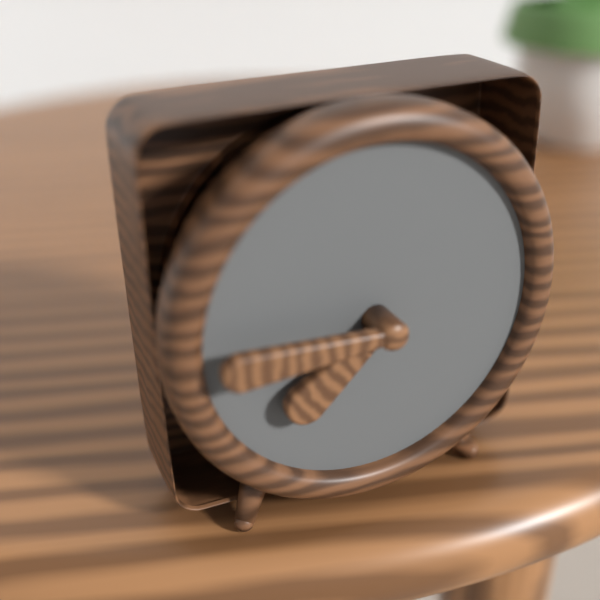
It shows {"hour": 7, "minute": 45}
